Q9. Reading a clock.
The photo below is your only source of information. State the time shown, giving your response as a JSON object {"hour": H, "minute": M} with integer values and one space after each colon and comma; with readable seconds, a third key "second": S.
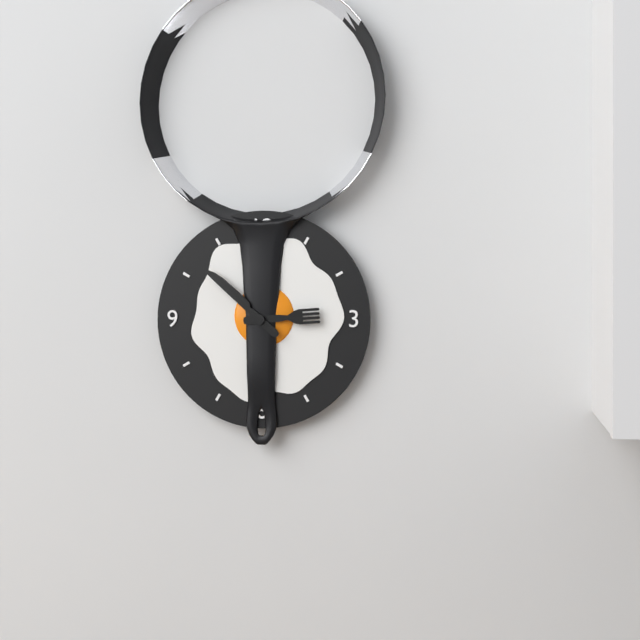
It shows {"hour": 2, "minute": 52}
